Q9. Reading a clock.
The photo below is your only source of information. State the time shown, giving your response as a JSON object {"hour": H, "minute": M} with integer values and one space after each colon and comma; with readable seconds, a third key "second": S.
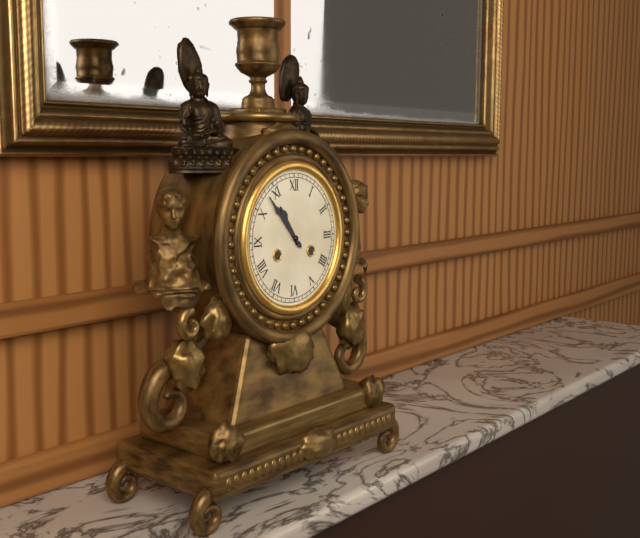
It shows {"hour": 10, "minute": 53}
